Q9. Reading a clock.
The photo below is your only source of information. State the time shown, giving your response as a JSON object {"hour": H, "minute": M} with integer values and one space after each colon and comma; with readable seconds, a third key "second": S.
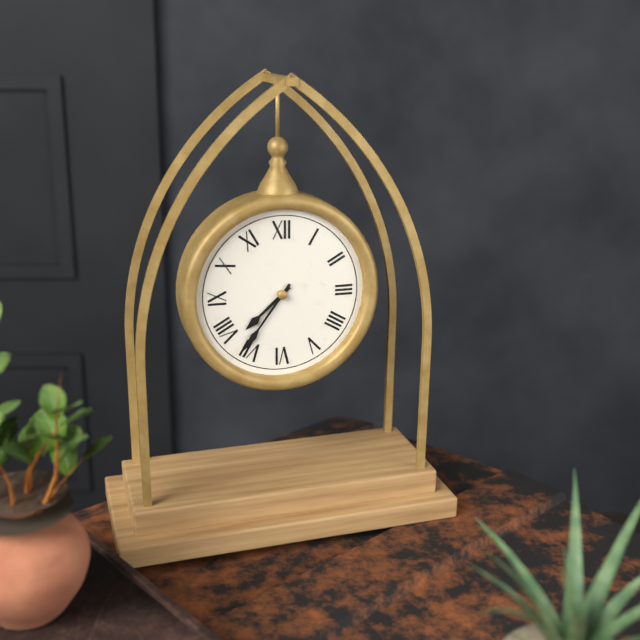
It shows {"hour": 7, "minute": 36}
